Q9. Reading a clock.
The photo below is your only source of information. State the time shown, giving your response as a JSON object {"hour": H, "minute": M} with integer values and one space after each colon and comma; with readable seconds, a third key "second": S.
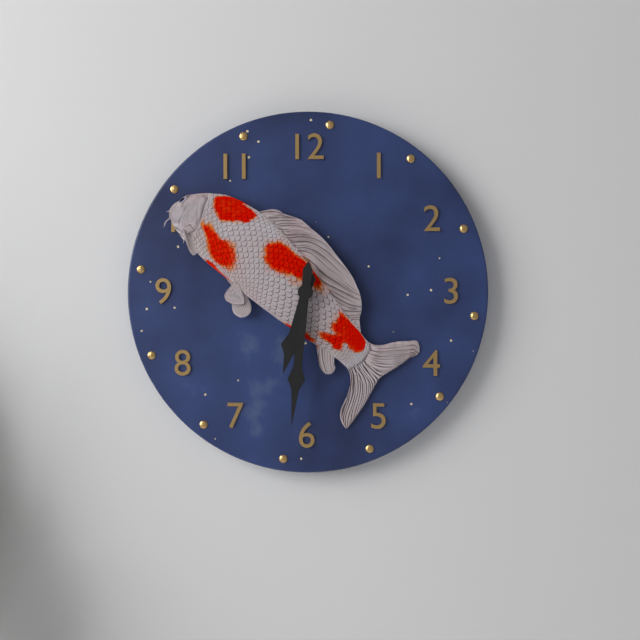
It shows {"hour": 6, "minute": 31}
